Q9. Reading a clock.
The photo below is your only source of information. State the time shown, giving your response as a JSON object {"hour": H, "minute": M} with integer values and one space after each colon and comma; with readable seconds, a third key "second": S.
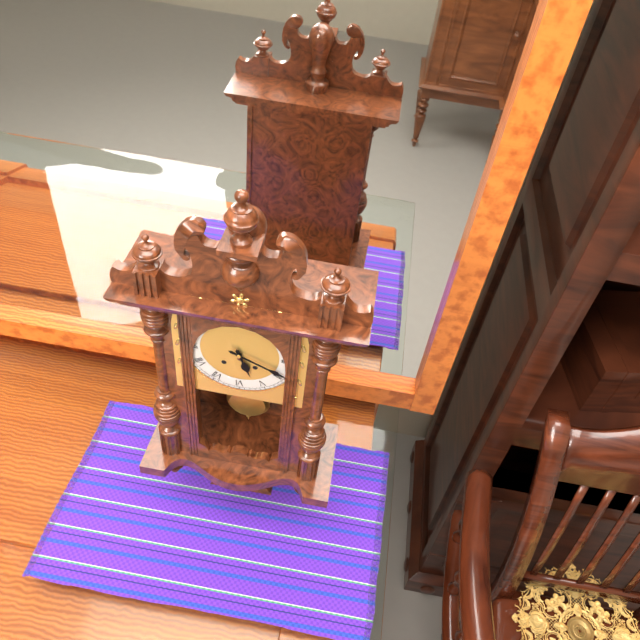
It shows {"hour": 5, "minute": 19}
